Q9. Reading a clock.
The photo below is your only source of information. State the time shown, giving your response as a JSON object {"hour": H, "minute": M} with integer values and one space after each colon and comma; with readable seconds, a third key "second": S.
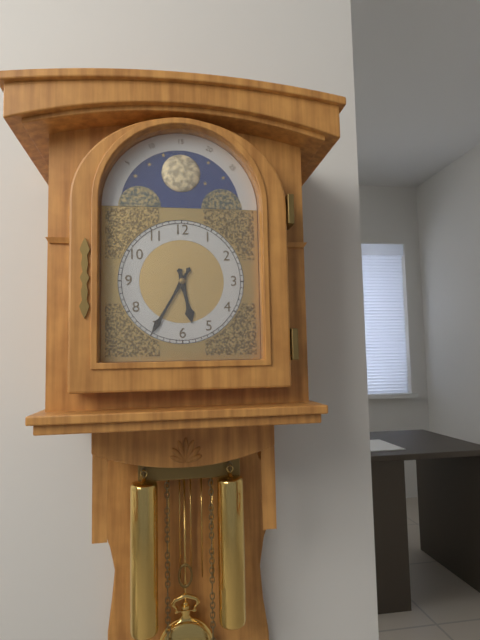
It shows {"hour": 5, "minute": 35}
